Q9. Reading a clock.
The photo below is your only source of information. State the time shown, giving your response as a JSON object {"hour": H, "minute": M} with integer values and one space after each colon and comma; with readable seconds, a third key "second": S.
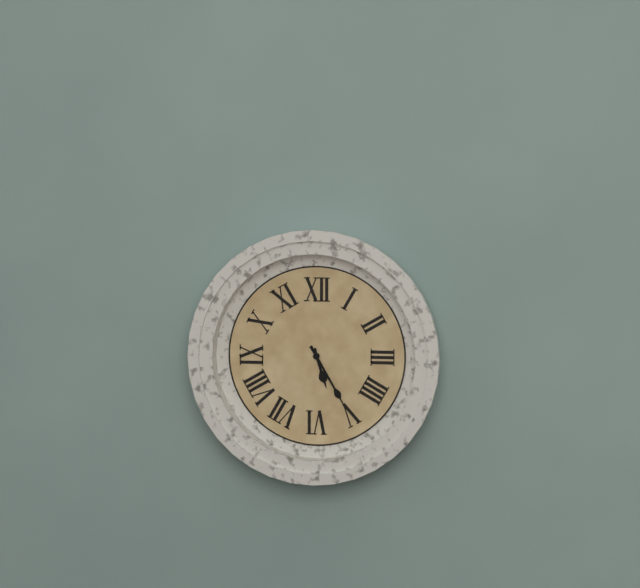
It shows {"hour": 5, "minute": 25}
